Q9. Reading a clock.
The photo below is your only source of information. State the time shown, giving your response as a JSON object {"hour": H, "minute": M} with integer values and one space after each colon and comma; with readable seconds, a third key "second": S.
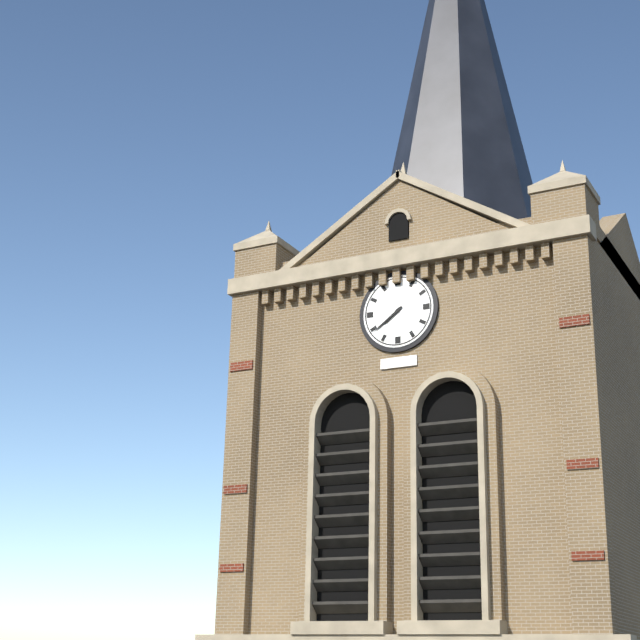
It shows {"hour": 7, "minute": 39}
